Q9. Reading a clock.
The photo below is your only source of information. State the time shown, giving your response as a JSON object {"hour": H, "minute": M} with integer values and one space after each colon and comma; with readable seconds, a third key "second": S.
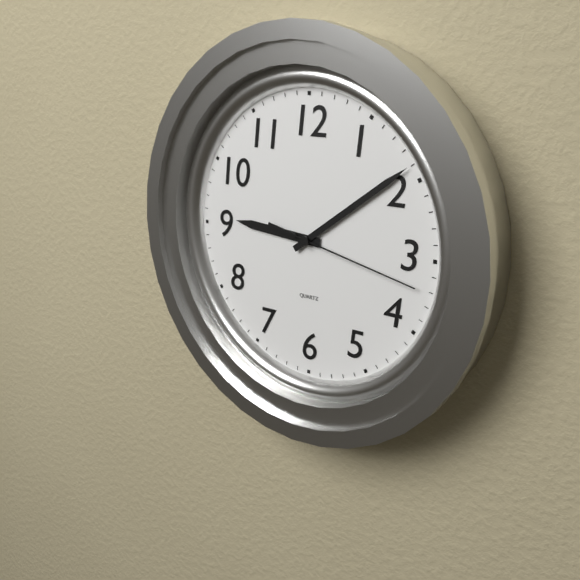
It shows {"hour": 9, "minute": 9, "second": 17}
